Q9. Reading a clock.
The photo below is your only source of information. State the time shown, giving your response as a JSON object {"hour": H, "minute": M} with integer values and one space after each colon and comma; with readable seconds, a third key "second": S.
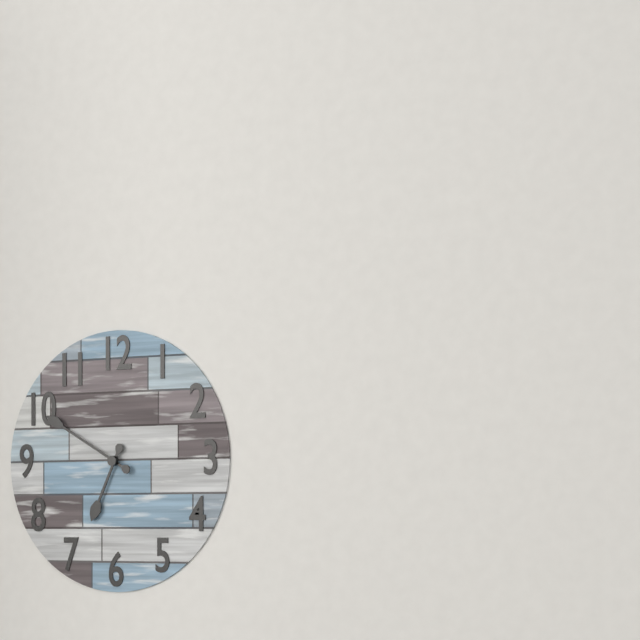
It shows {"hour": 6, "minute": 50}
